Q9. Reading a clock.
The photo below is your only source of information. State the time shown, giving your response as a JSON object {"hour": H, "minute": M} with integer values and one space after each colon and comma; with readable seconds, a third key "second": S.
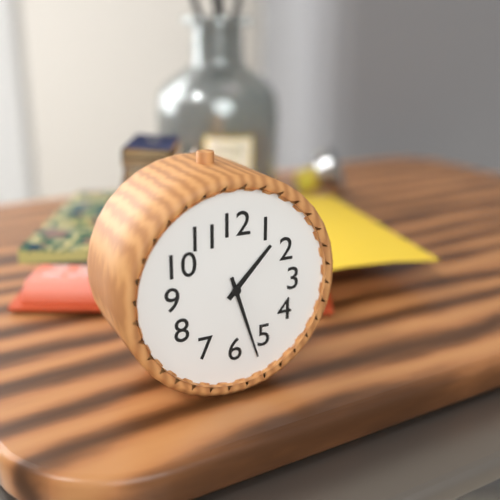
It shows {"hour": 1, "minute": 27}
